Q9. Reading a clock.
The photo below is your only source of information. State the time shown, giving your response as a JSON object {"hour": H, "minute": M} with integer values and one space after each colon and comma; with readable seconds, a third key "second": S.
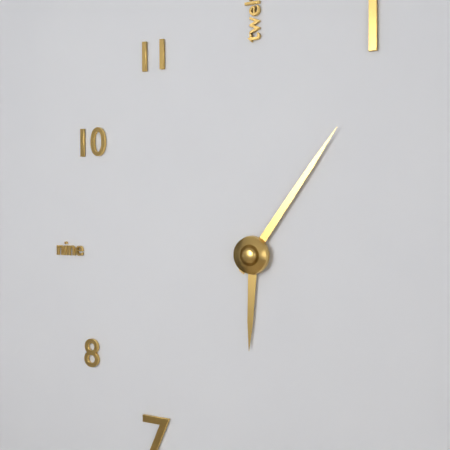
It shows {"hour": 6, "minute": 6}
